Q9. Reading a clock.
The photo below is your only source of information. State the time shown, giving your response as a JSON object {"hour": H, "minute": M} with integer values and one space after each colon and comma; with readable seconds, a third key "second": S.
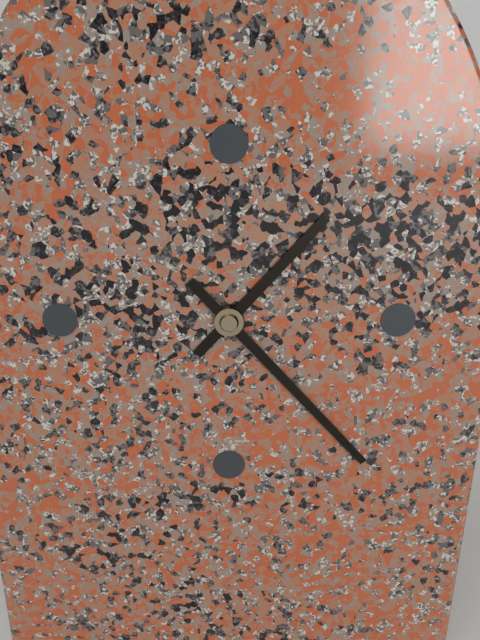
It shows {"hour": 1, "minute": 23}
